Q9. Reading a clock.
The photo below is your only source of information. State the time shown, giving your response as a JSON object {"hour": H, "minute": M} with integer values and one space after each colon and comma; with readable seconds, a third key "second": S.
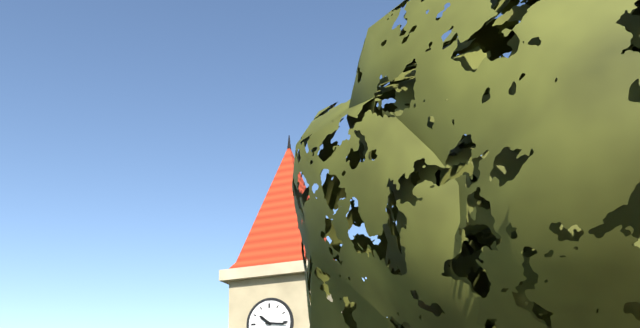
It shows {"hour": 10, "minute": 16}
